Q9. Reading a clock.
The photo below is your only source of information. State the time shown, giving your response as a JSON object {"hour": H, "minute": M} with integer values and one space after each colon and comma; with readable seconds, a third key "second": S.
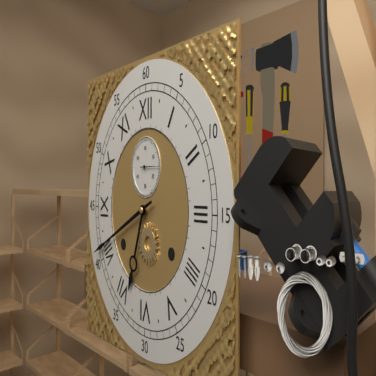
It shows {"hour": 6, "minute": 41}
